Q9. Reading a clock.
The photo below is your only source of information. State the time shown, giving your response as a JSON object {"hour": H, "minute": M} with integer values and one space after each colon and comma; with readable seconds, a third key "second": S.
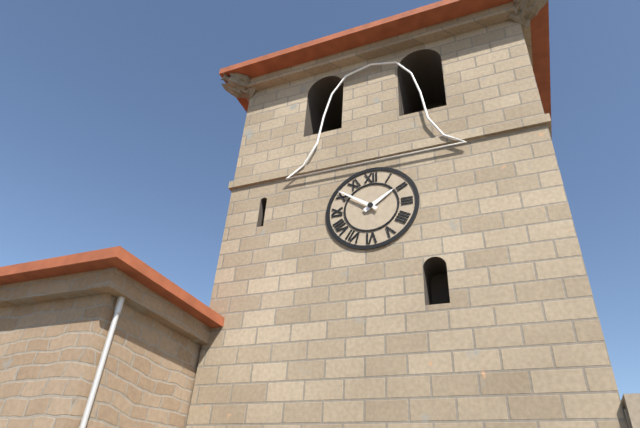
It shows {"hour": 1, "minute": 51}
